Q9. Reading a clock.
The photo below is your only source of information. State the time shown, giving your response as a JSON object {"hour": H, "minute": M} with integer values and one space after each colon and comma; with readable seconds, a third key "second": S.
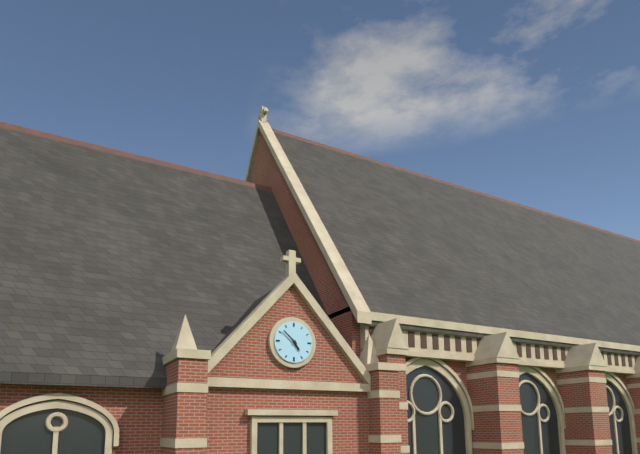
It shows {"hour": 4, "minute": 52}
